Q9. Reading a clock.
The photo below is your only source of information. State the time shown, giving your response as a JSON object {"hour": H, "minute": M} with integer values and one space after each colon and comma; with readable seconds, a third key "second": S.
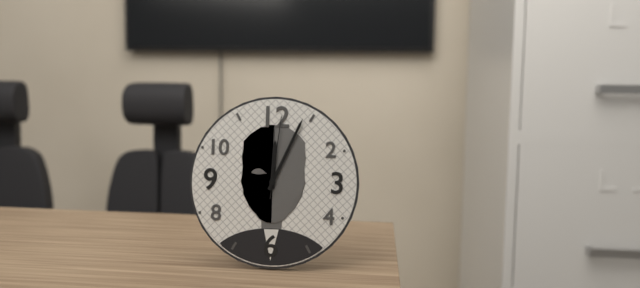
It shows {"hour": 12, "minute": 4, "second": 1}
